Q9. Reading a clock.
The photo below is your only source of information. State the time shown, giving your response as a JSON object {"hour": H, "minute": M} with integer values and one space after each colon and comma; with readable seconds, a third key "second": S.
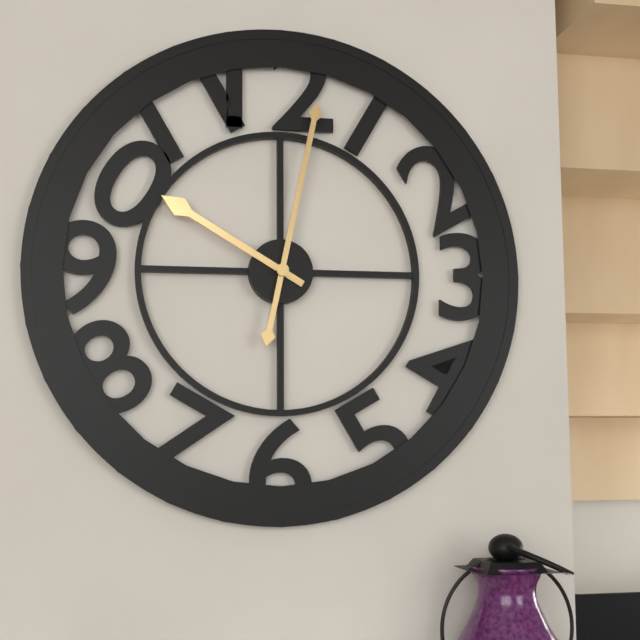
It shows {"hour": 10, "minute": 2}
